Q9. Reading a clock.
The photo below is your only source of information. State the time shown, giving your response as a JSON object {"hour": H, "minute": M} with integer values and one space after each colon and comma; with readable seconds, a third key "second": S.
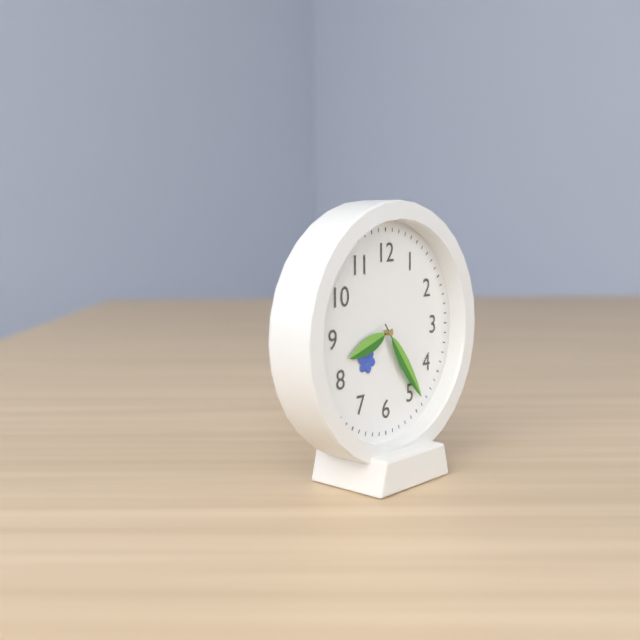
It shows {"hour": 8, "minute": 24}
